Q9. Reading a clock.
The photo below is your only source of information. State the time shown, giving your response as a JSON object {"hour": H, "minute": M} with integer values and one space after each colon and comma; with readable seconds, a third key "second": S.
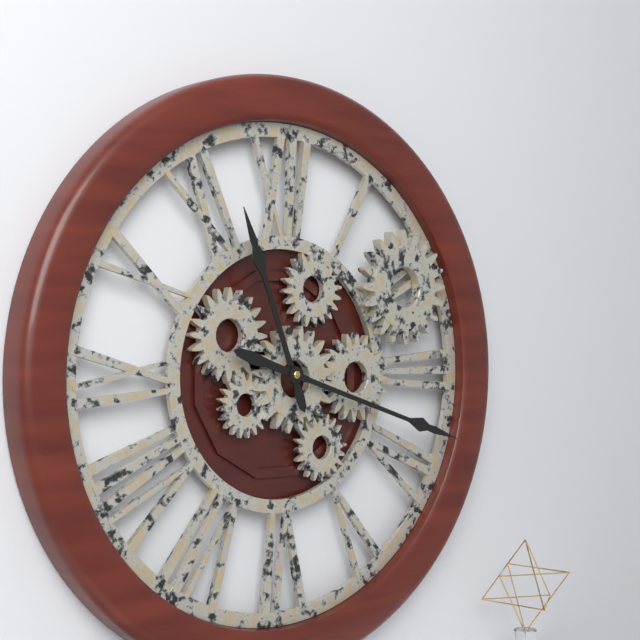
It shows {"hour": 11, "minute": 18}
